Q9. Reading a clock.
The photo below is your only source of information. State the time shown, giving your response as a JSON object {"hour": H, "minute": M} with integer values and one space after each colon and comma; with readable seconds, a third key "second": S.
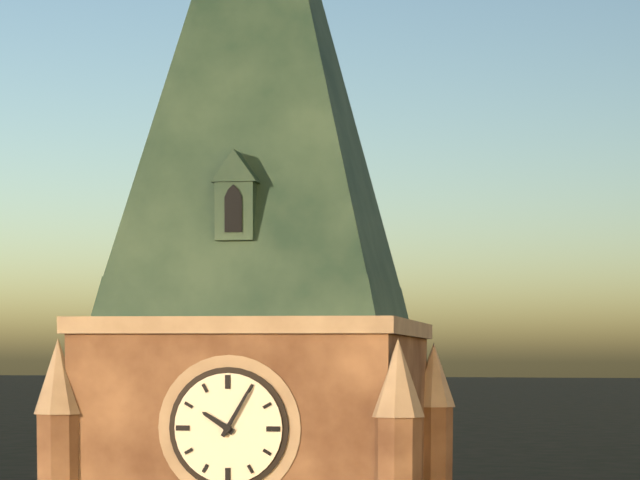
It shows {"hour": 10, "minute": 5}
